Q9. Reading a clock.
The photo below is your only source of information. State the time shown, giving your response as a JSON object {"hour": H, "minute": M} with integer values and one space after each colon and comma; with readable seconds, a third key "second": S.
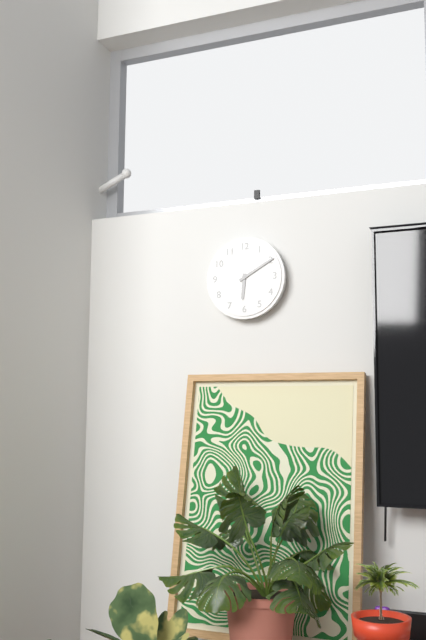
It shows {"hour": 6, "minute": 10}
